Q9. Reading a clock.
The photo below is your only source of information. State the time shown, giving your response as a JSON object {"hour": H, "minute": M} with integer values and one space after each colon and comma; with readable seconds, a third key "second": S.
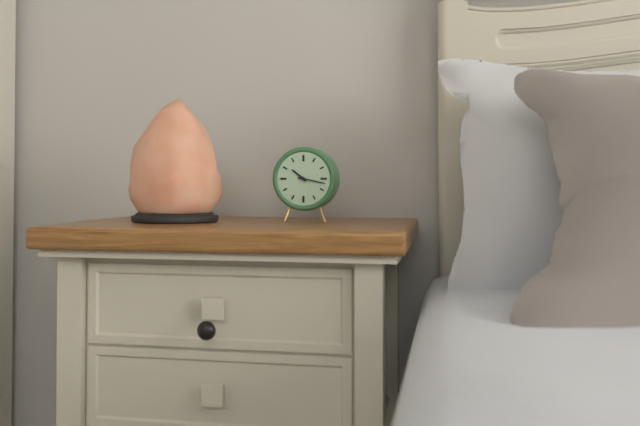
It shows {"hour": 10, "minute": 17}
